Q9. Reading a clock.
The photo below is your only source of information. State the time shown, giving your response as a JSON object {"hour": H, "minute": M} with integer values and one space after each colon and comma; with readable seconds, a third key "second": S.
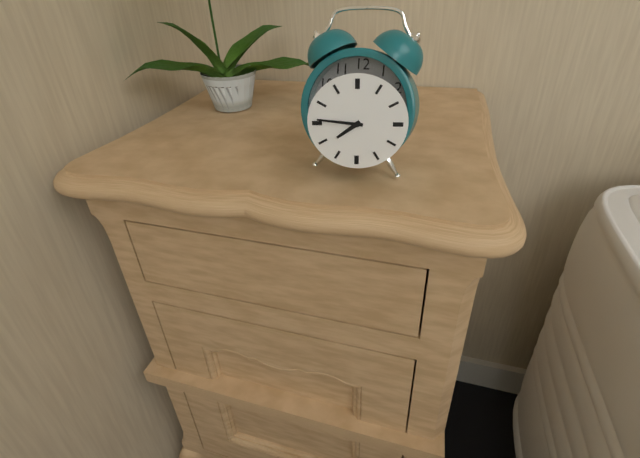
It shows {"hour": 7, "minute": 46}
